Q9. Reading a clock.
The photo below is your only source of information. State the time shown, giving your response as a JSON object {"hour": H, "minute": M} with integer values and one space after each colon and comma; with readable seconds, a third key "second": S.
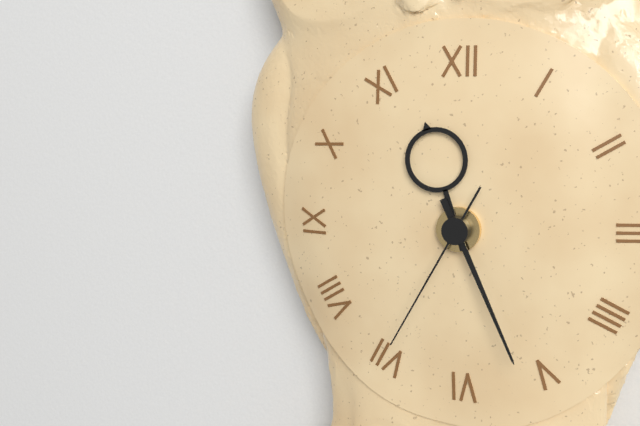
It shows {"hour": 11, "minute": 26, "second": 35}
